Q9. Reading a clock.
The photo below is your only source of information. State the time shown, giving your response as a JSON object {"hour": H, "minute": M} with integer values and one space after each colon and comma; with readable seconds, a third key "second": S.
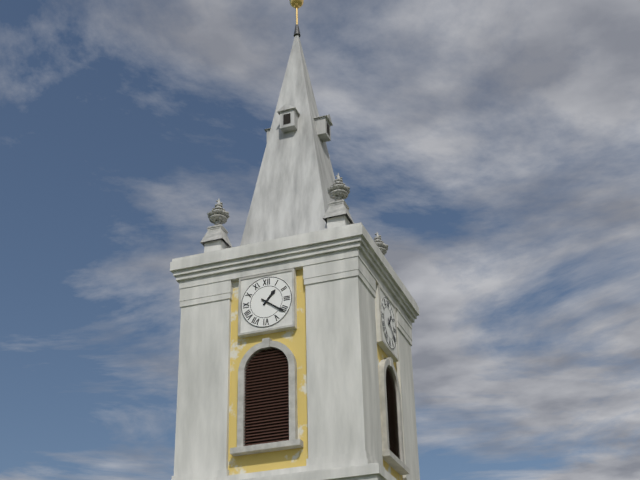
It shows {"hour": 1, "minute": 21}
